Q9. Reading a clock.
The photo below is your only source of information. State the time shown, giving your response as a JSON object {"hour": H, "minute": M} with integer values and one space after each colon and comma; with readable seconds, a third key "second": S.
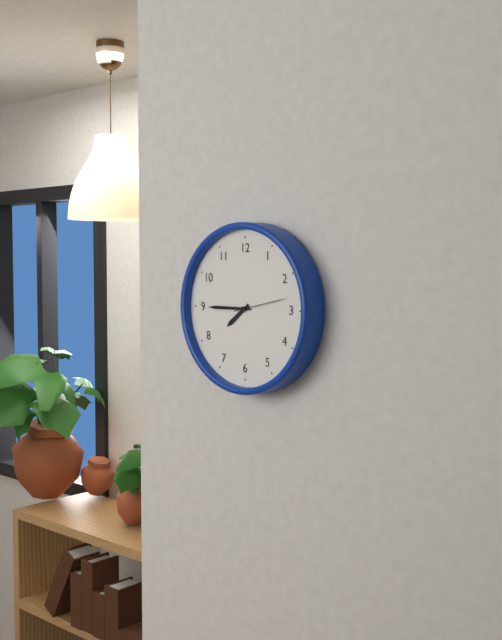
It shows {"hour": 7, "minute": 45, "second": 13}
